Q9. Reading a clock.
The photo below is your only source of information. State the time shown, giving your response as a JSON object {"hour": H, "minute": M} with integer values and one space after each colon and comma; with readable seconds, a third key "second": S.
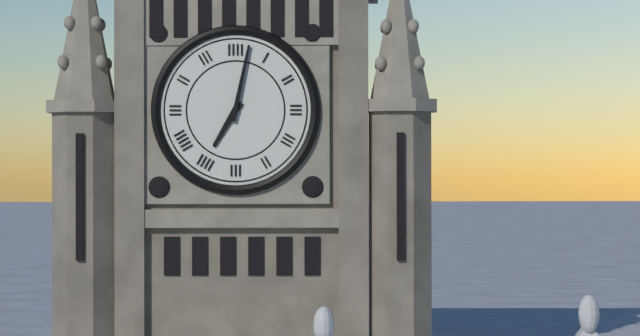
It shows {"hour": 7, "minute": 2}
